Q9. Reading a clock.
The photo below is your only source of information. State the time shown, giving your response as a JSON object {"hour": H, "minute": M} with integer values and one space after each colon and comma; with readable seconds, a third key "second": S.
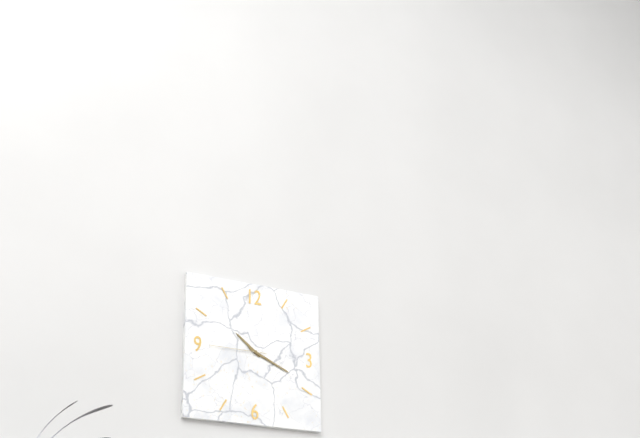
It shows {"hour": 10, "minute": 19, "second": 45}
